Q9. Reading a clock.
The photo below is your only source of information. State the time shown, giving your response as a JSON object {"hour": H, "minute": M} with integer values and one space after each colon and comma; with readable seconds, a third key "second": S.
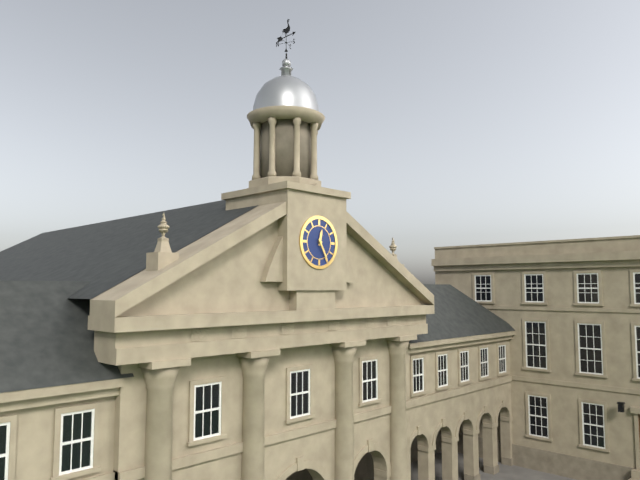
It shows {"hour": 12, "minute": 25}
